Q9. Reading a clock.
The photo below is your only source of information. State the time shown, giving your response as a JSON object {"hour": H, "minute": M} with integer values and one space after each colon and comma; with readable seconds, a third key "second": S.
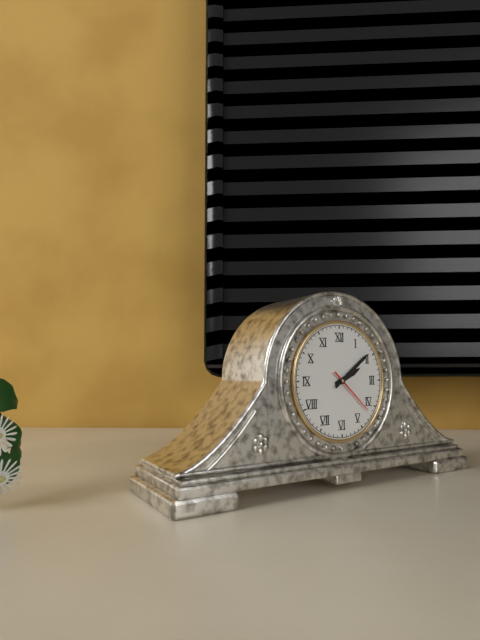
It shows {"hour": 2, "minute": 9, "second": 22}
